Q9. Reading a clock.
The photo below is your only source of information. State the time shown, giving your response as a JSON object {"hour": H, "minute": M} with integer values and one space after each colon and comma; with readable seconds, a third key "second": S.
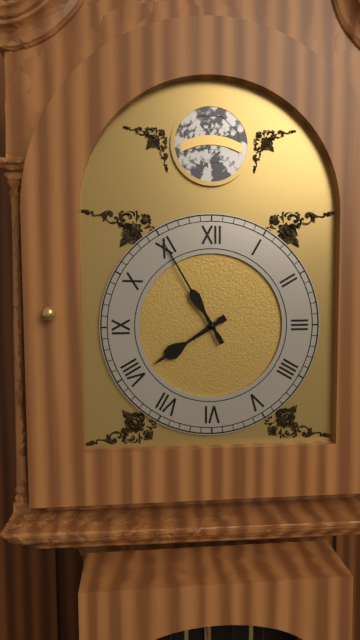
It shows {"hour": 7, "minute": 55}
